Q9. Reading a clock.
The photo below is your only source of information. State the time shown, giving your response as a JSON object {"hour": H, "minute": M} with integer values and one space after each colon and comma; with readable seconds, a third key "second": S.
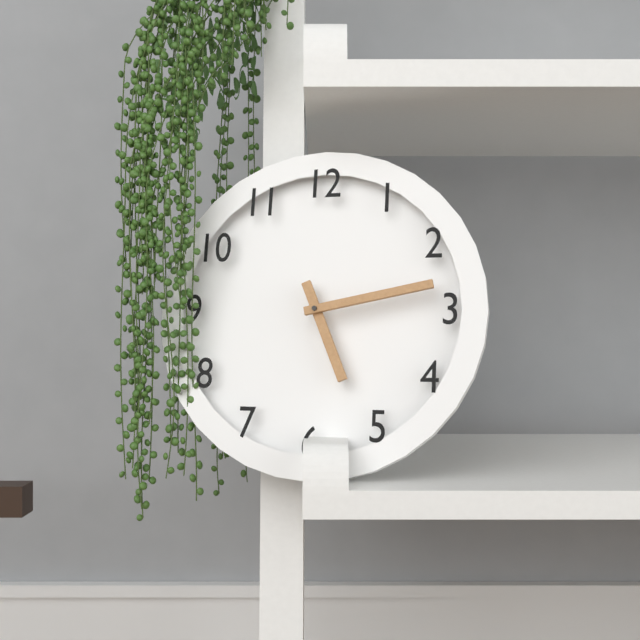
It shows {"hour": 5, "minute": 13}
